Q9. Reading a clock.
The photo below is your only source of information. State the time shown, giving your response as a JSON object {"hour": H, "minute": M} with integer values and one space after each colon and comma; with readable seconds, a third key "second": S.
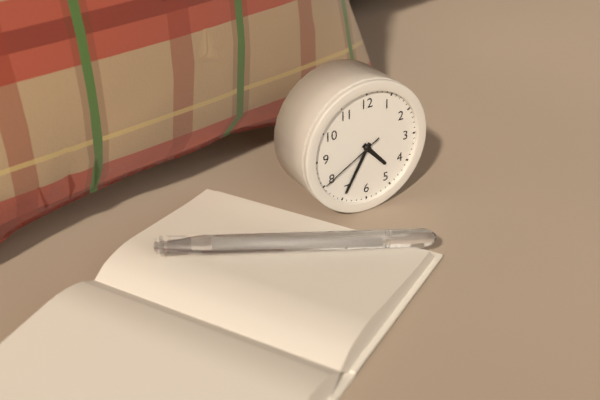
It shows {"hour": 4, "minute": 35, "second": 40}
